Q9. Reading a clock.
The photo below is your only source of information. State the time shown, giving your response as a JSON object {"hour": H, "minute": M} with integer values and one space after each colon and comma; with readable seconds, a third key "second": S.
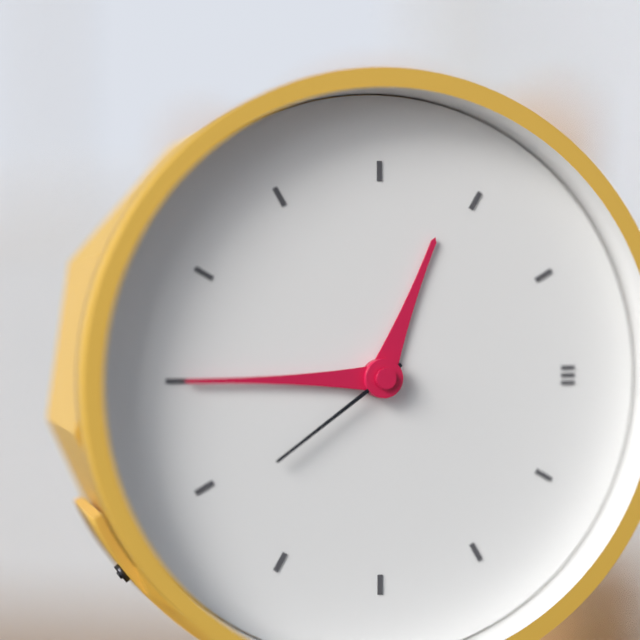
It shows {"hour": 12, "minute": 45, "second": 39}
